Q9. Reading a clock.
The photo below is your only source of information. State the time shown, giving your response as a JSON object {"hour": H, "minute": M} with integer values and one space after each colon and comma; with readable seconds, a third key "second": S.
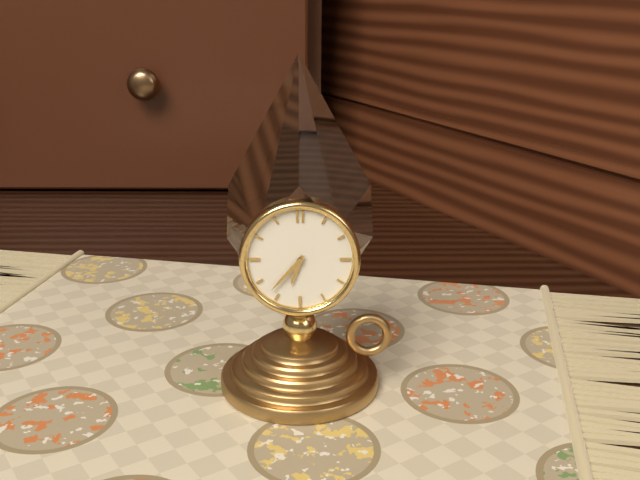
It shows {"hour": 6, "minute": 37}
